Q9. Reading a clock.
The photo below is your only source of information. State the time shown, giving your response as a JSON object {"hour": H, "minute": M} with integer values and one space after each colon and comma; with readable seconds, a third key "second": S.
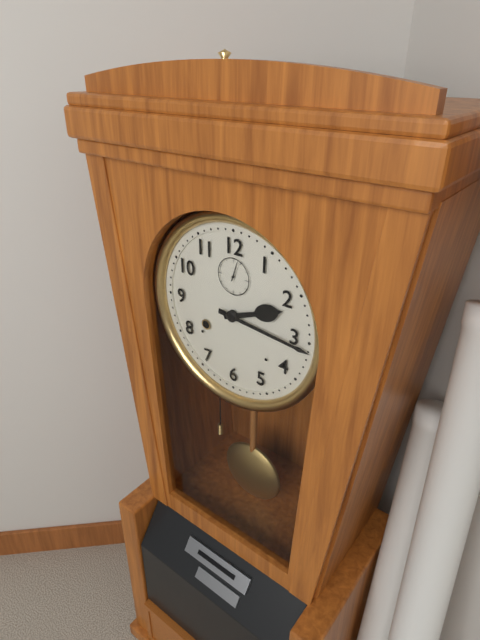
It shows {"hour": 2, "minute": 16}
